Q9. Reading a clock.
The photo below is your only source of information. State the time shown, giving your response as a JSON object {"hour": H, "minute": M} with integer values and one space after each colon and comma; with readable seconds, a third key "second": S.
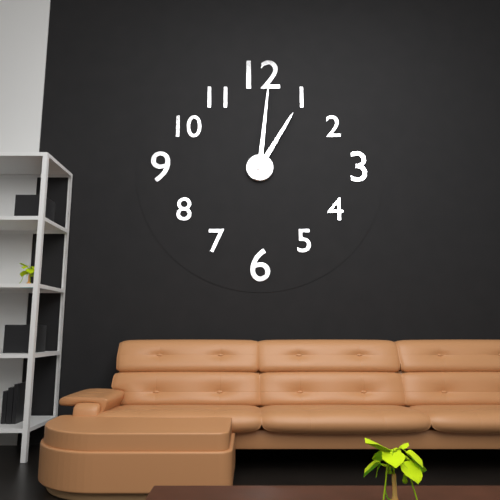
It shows {"hour": 1, "minute": 1}
